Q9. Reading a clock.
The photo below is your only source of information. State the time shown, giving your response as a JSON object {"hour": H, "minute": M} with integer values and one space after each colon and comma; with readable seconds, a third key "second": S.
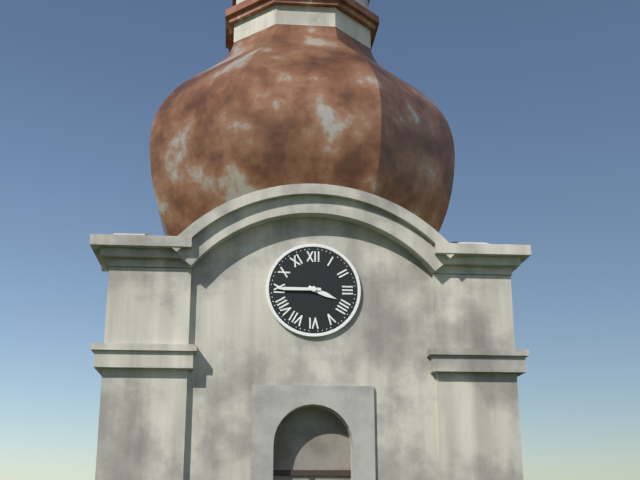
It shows {"hour": 3, "minute": 45}
